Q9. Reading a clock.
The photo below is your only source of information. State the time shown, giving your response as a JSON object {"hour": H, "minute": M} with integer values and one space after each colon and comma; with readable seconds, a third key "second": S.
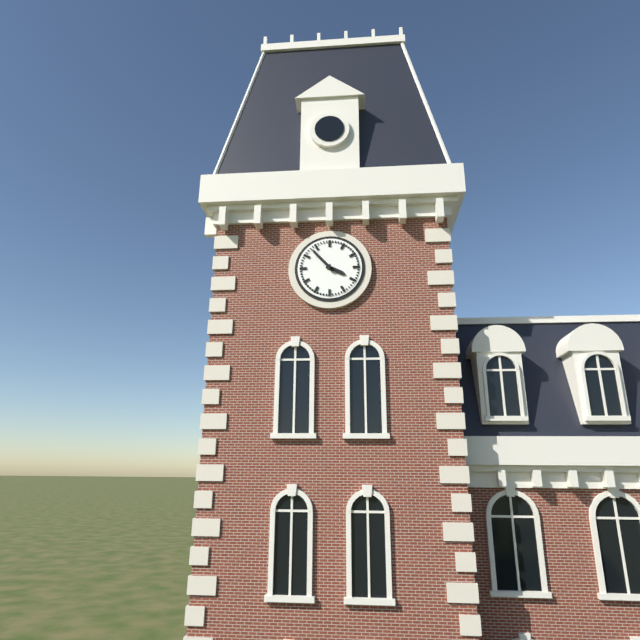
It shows {"hour": 3, "minute": 53}
